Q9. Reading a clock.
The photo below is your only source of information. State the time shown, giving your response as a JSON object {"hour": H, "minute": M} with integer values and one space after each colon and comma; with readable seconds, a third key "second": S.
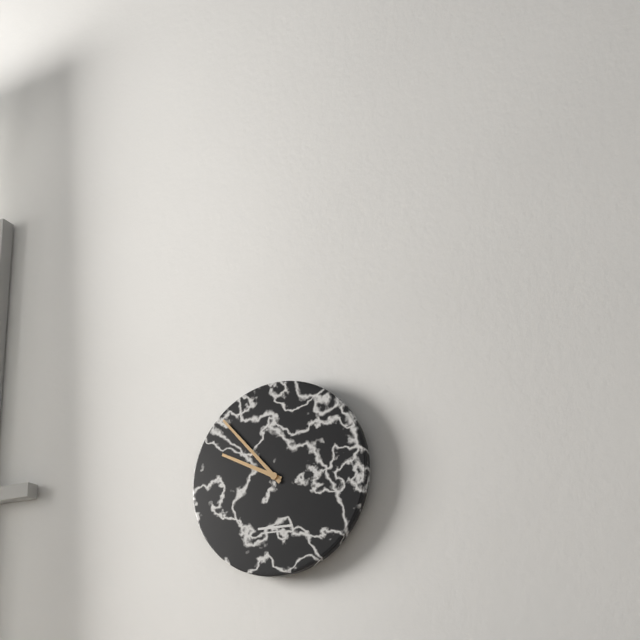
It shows {"hour": 9, "minute": 53}
